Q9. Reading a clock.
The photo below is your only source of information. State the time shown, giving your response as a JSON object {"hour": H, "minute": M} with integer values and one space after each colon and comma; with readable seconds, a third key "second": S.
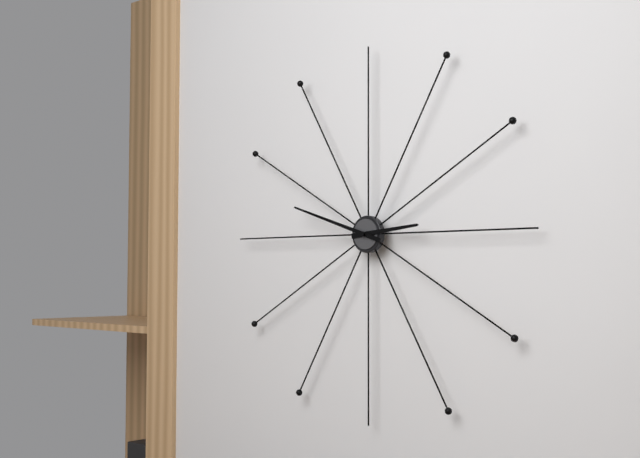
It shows {"hour": 2, "minute": 48}
